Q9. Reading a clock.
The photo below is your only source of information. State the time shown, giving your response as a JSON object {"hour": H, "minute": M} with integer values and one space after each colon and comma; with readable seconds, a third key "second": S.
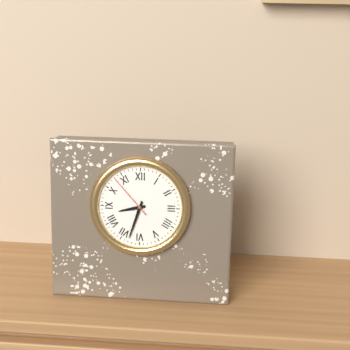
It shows {"hour": 8, "minute": 33}
